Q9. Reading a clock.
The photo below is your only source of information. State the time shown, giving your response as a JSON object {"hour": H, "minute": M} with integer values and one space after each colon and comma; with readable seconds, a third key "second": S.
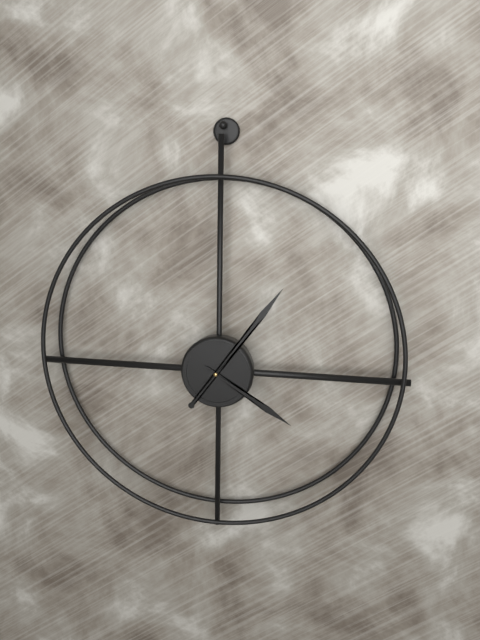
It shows {"hour": 4, "minute": 6}
